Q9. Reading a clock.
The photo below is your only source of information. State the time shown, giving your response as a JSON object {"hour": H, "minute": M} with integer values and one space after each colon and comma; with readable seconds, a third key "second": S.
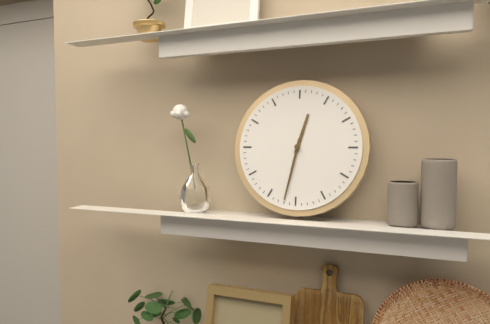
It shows {"hour": 12, "minute": 32}
